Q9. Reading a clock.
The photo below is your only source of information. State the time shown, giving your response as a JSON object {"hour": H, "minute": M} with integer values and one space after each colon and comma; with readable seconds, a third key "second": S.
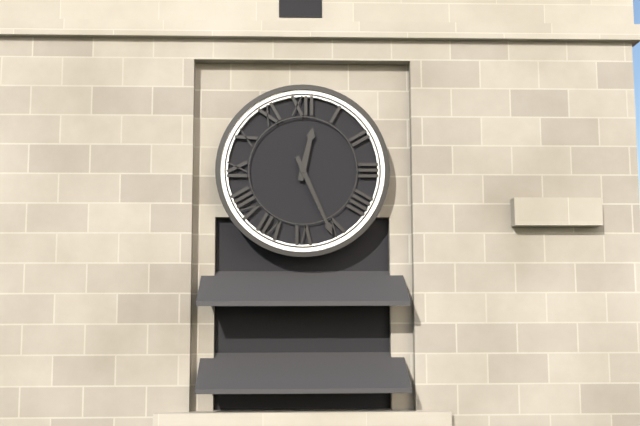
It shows {"hour": 12, "minute": 26}
